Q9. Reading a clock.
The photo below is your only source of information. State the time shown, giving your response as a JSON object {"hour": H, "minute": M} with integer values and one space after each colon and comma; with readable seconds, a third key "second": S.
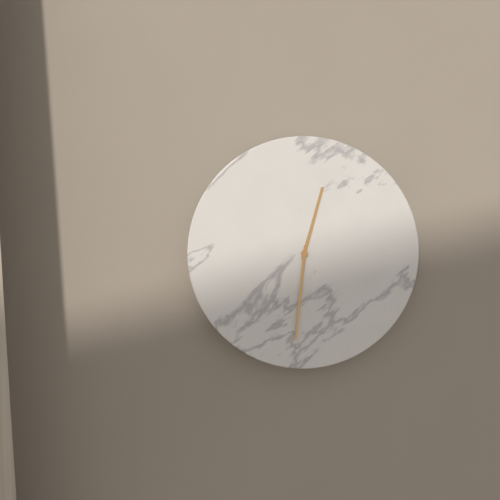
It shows {"hour": 12, "minute": 31}
